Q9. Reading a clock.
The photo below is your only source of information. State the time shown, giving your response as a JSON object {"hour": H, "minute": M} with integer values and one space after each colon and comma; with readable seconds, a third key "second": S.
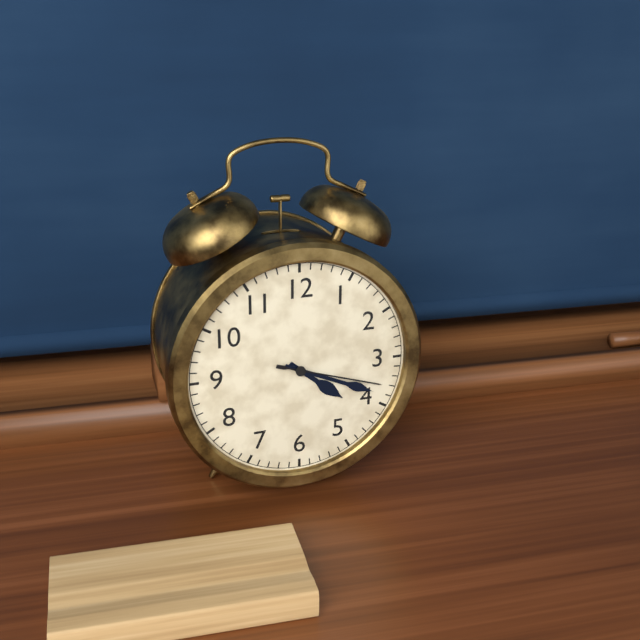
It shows {"hour": 4, "minute": 19, "second": 18}
